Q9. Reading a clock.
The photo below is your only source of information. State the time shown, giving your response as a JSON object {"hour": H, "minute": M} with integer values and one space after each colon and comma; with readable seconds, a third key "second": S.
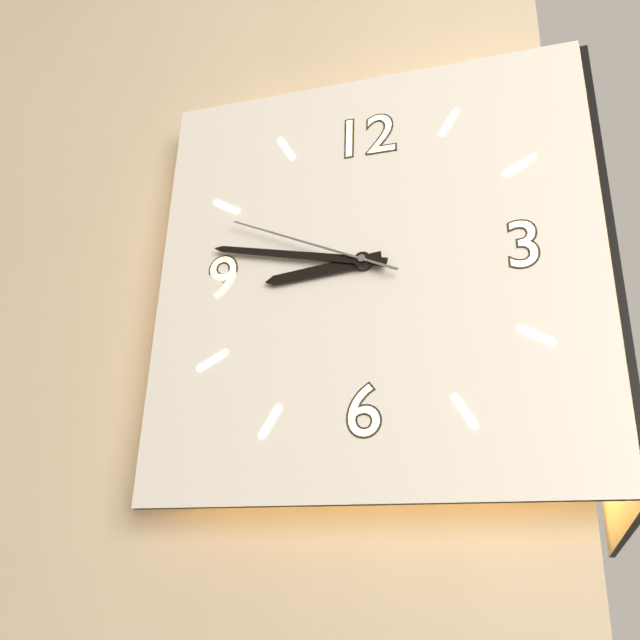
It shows {"hour": 8, "minute": 47, "second": 49}
